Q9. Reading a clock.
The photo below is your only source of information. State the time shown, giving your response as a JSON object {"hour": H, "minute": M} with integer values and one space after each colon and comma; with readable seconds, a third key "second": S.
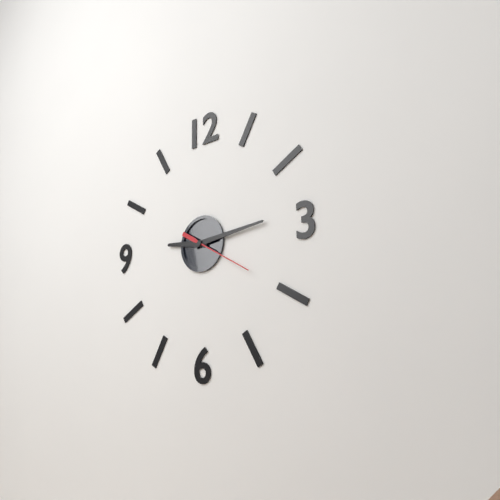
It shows {"hour": 9, "minute": 14, "second": 20}
